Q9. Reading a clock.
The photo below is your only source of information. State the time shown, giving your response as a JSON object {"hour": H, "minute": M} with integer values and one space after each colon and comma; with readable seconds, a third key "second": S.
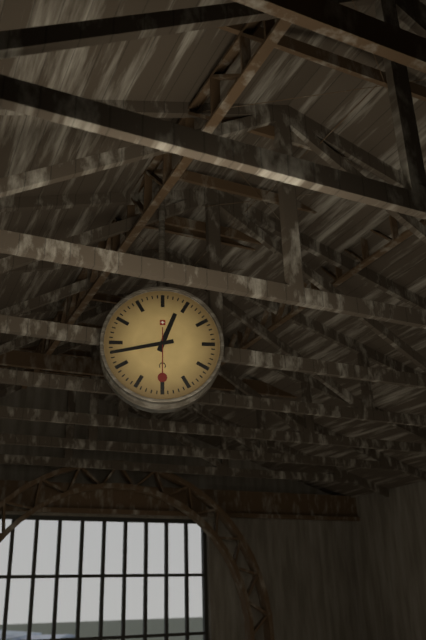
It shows {"hour": 12, "minute": 43}
